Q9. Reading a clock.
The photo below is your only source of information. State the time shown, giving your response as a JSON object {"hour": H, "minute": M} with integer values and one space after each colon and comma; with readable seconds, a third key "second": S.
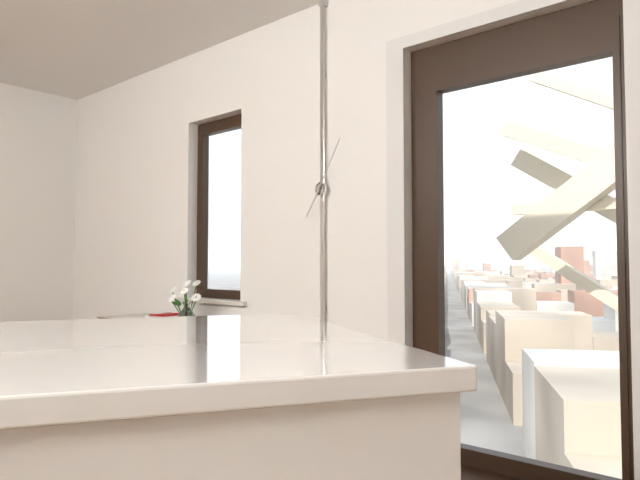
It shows {"hour": 7, "minute": 5}
